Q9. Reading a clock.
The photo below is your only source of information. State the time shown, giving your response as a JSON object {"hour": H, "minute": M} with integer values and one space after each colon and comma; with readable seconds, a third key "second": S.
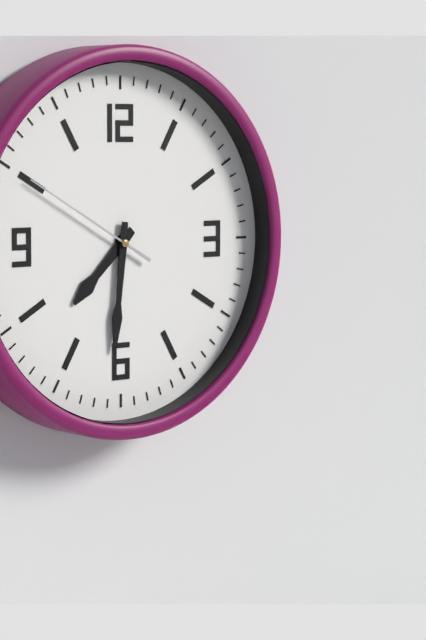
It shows {"hour": 7, "minute": 31, "second": 50}
